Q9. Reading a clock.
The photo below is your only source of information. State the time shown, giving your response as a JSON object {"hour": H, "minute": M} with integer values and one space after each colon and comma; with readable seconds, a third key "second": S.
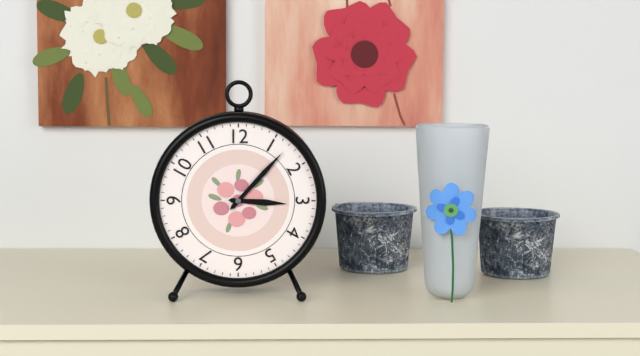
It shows {"hour": 3, "minute": 7}
